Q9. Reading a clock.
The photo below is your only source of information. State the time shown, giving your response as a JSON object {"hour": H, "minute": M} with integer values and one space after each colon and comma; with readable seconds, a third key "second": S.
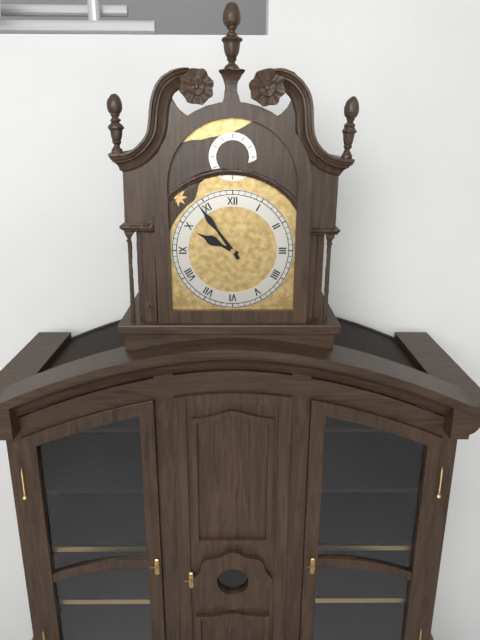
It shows {"hour": 9, "minute": 54}
